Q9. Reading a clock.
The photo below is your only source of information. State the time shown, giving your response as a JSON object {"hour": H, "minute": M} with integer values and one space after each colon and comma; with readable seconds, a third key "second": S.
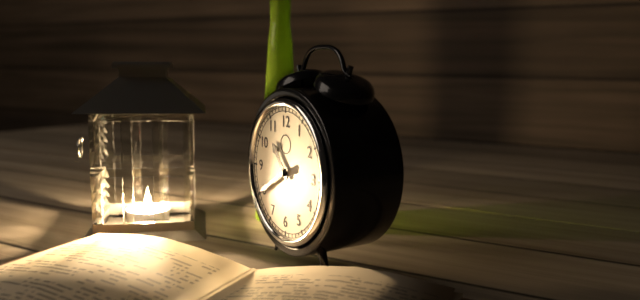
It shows {"hour": 10, "minute": 40}
